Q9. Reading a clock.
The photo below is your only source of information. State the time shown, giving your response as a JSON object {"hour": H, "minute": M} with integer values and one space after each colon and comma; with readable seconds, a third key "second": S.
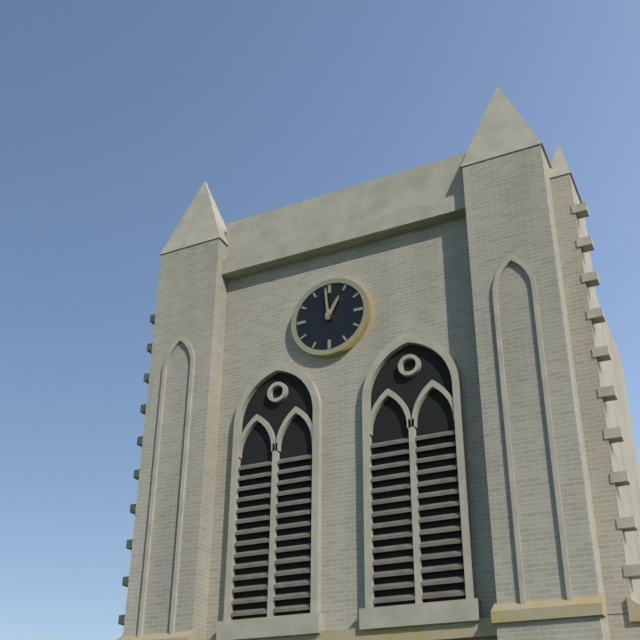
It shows {"hour": 12, "minute": 59}
